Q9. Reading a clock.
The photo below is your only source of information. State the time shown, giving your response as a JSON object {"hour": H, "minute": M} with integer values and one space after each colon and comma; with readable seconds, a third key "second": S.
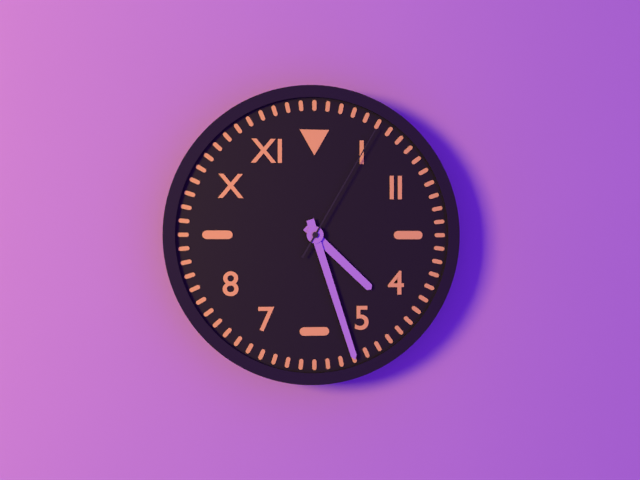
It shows {"hour": 4, "minute": 27, "second": 5}
